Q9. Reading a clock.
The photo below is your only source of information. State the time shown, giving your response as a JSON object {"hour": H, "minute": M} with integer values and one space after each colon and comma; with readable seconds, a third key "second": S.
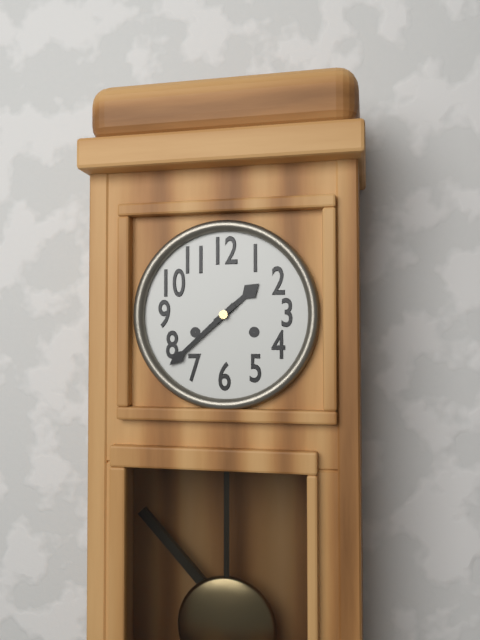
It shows {"hour": 1, "minute": 38}
